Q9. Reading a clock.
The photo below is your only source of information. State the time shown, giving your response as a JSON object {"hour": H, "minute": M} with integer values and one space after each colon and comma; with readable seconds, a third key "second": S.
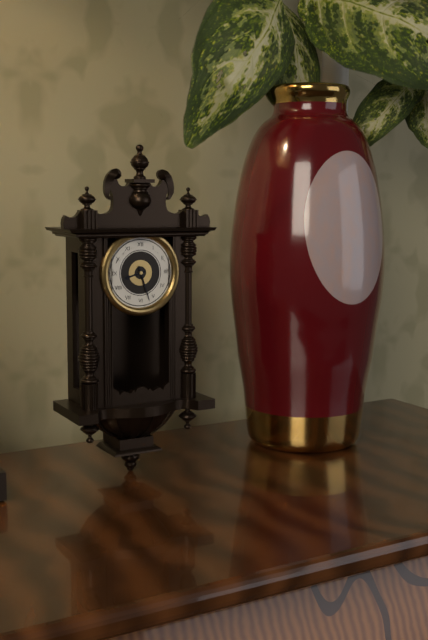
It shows {"hour": 8, "minute": 27}
